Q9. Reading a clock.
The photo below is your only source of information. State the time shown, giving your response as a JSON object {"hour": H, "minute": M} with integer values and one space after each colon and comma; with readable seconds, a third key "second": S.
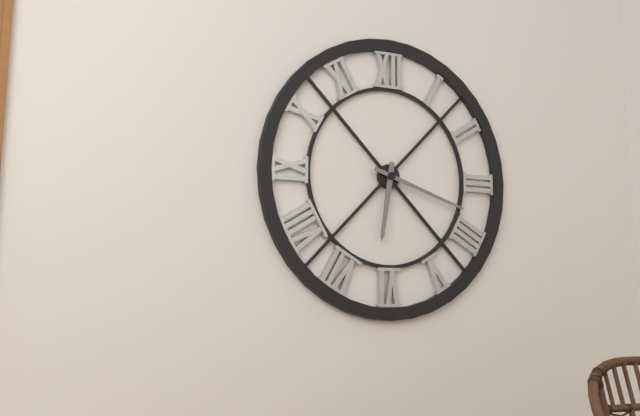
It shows {"hour": 6, "minute": 18}
